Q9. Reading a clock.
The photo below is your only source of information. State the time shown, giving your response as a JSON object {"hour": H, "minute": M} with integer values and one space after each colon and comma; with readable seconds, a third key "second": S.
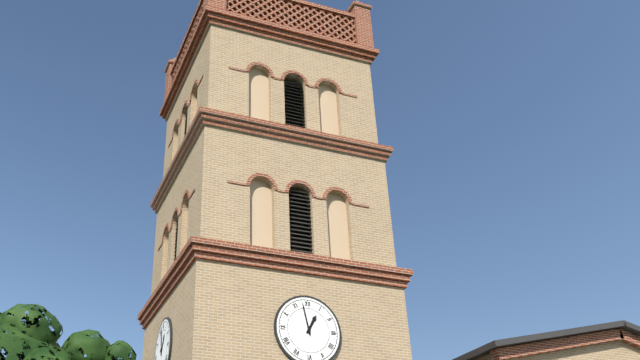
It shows {"hour": 12, "minute": 58}
